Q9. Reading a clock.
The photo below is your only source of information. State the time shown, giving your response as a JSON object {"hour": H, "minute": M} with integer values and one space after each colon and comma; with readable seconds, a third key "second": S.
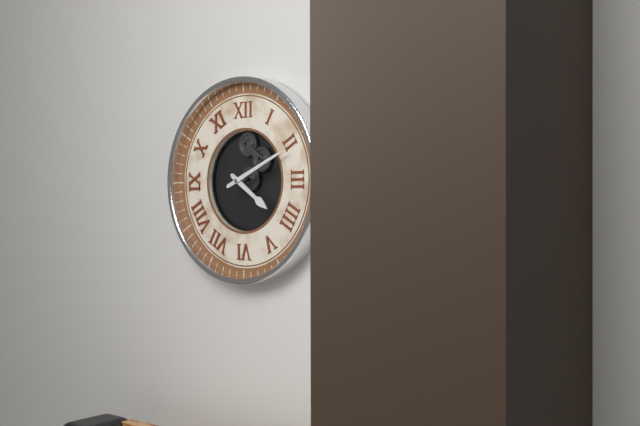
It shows {"hour": 4, "minute": 11}
